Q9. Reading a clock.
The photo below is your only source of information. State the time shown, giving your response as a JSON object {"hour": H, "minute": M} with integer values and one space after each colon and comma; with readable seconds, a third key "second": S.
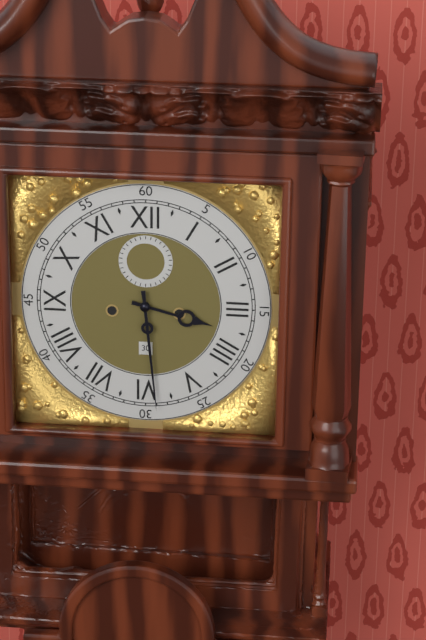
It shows {"hour": 3, "minute": 29}
